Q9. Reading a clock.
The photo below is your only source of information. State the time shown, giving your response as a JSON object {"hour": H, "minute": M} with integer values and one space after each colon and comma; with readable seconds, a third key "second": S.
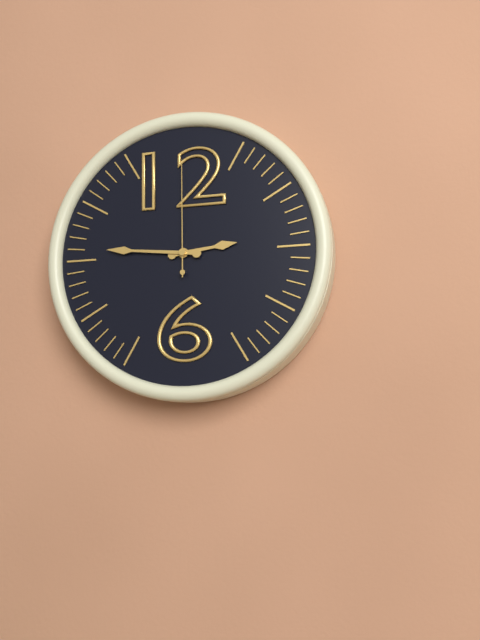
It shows {"hour": 2, "minute": 46, "second": 0}
